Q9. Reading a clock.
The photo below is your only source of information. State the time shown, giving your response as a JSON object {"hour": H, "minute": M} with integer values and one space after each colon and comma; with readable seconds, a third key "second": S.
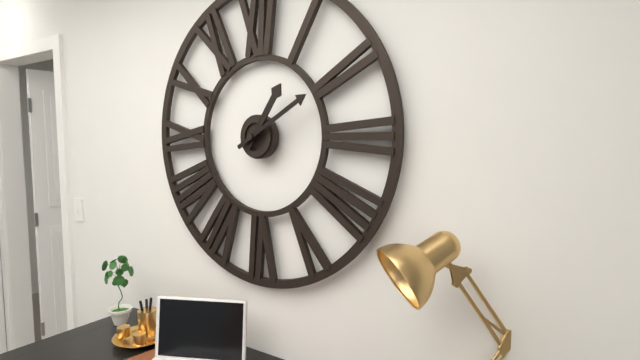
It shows {"hour": 1, "minute": 10}
